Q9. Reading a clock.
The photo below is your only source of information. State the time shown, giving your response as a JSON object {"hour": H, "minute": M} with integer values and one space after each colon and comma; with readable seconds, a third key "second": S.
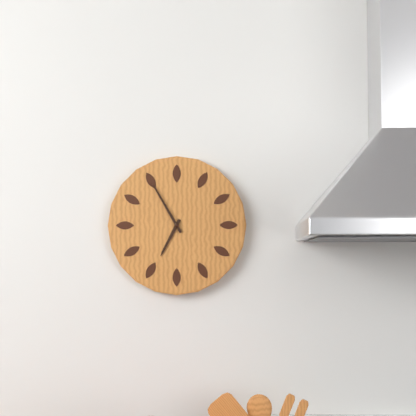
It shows {"hour": 6, "minute": 55}
